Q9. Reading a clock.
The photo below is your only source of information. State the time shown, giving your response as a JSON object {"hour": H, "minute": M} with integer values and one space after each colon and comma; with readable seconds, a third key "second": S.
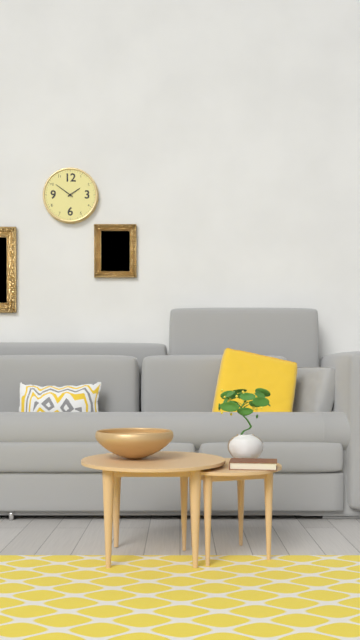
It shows {"hour": 1, "minute": 51}
